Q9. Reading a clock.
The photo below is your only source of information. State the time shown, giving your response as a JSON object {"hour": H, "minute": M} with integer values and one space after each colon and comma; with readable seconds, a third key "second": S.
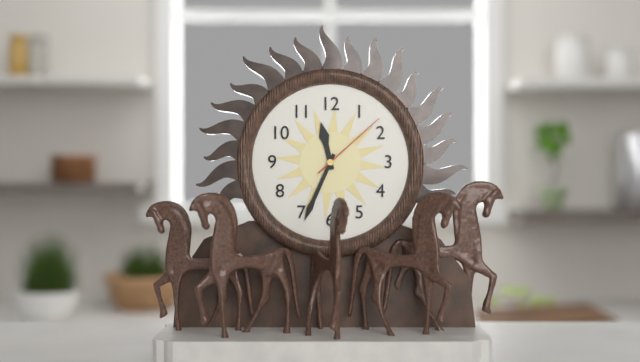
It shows {"hour": 11, "minute": 34, "second": 8}
